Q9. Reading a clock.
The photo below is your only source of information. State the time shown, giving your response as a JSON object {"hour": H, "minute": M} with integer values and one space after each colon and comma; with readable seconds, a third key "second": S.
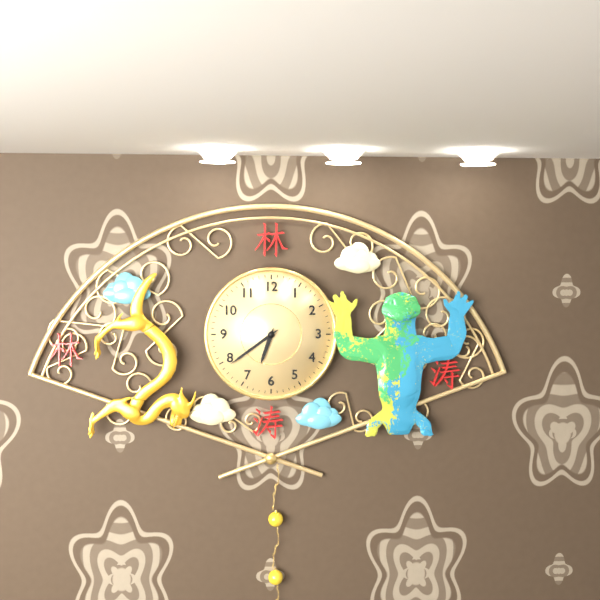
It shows {"hour": 6, "minute": 39}
